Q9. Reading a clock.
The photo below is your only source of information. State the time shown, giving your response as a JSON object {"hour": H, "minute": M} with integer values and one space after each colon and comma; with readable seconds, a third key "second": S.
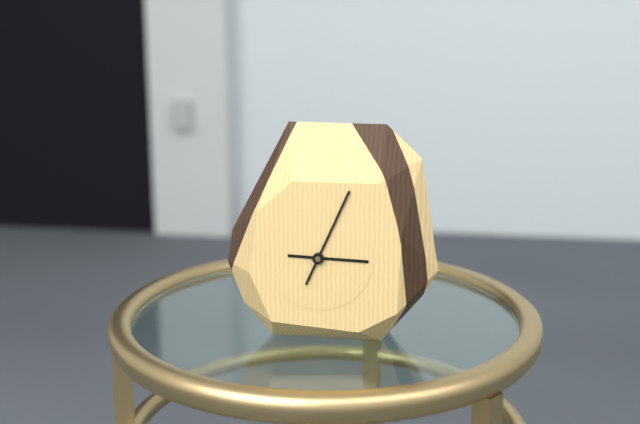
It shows {"hour": 3, "minute": 4}
